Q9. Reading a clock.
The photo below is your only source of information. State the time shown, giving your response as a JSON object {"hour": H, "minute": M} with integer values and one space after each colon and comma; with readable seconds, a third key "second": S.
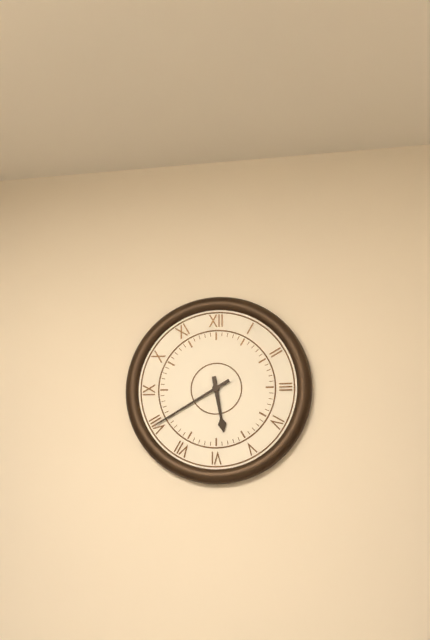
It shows {"hour": 5, "minute": 40}
